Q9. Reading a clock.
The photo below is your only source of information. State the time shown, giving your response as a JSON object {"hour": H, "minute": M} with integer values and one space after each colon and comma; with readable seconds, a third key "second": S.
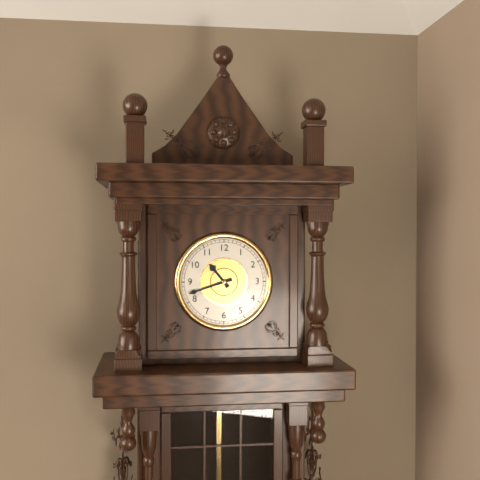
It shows {"hour": 10, "minute": 42}
